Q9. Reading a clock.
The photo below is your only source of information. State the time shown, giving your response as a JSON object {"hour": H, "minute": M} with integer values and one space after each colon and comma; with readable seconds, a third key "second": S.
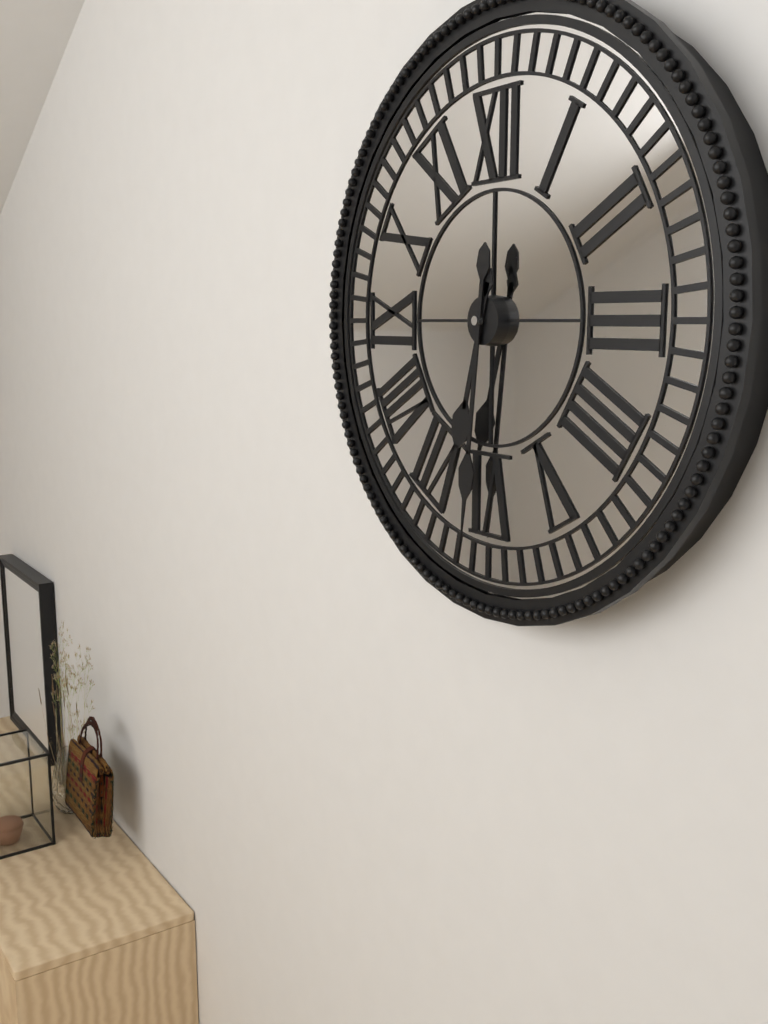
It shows {"hour": 6, "minute": 31}
